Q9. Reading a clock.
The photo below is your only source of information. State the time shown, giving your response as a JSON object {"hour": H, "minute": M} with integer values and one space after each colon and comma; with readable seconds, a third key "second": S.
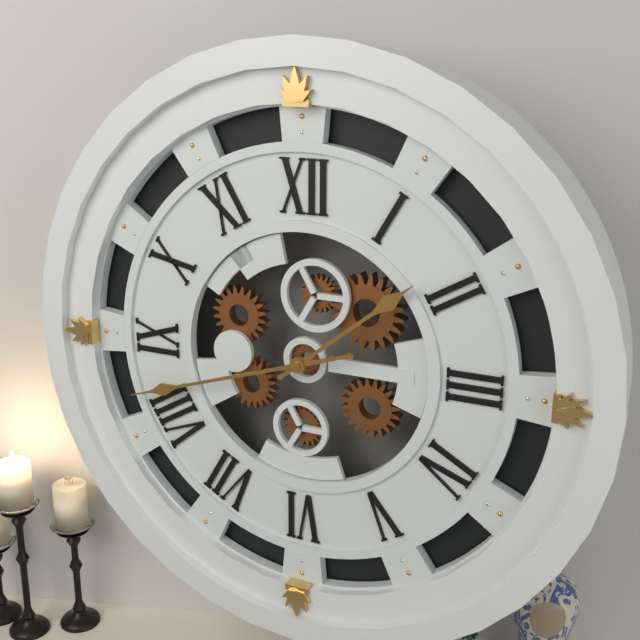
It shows {"hour": 1, "minute": 42}
